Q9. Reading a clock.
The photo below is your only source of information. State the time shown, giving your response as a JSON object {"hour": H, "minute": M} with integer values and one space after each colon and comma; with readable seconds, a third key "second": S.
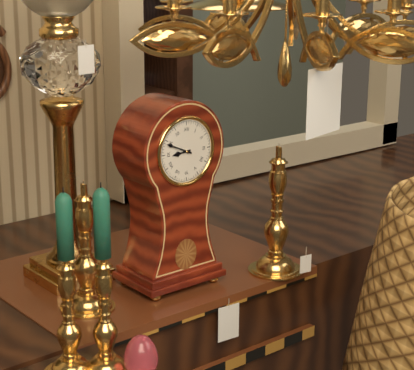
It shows {"hour": 8, "minute": 49}
